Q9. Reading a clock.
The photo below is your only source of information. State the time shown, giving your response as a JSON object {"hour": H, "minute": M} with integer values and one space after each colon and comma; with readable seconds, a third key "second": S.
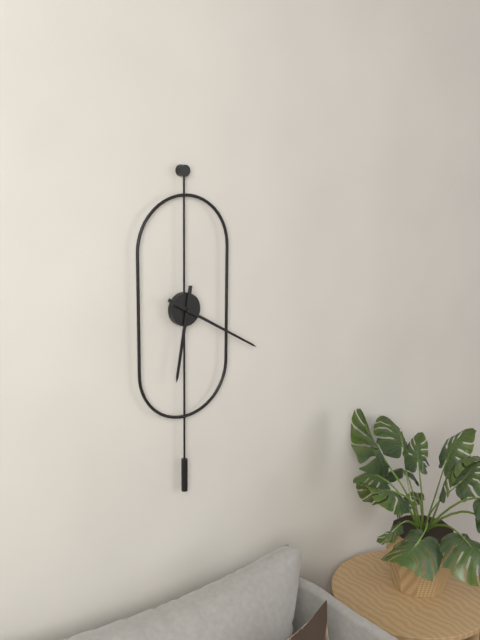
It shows {"hour": 6, "minute": 20}
